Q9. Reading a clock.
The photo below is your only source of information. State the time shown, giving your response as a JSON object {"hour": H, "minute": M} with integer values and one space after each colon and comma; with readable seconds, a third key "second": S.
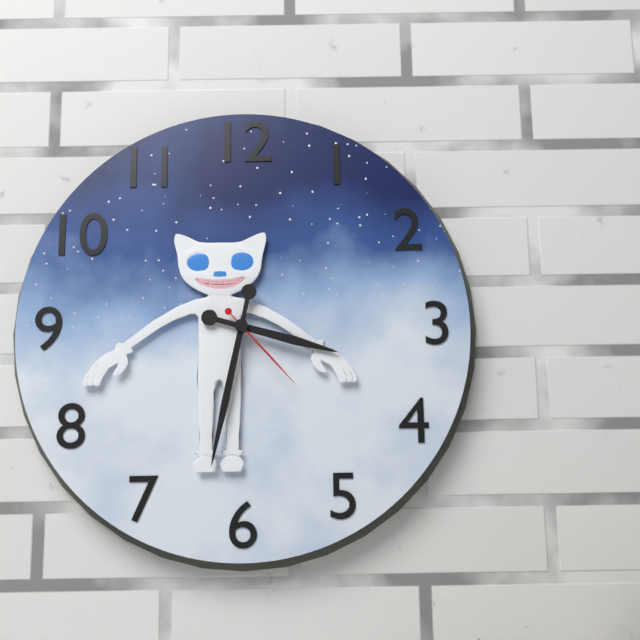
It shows {"hour": 3, "minute": 32, "second": 23}
